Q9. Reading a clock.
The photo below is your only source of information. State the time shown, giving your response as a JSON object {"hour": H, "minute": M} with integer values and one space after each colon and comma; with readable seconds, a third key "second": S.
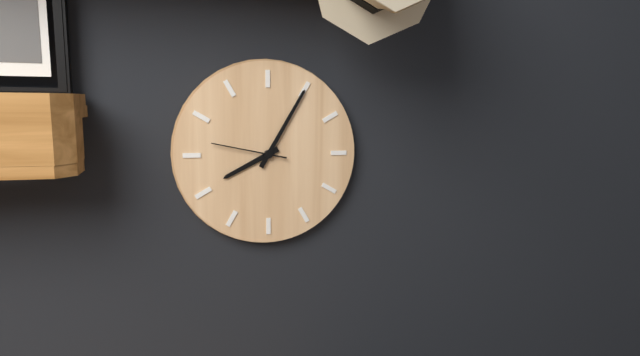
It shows {"hour": 8, "minute": 5, "second": 47}
